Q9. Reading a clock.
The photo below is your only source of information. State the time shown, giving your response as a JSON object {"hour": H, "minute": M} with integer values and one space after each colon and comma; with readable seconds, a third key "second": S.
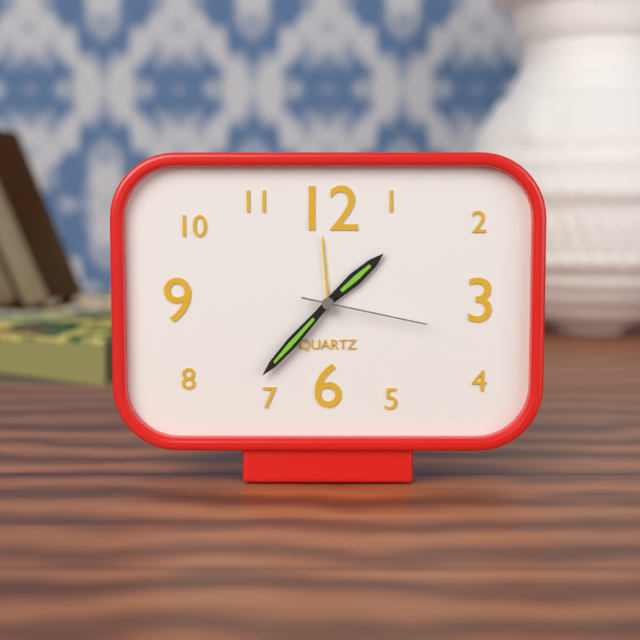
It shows {"hour": 1, "minute": 37, "second": 17}
